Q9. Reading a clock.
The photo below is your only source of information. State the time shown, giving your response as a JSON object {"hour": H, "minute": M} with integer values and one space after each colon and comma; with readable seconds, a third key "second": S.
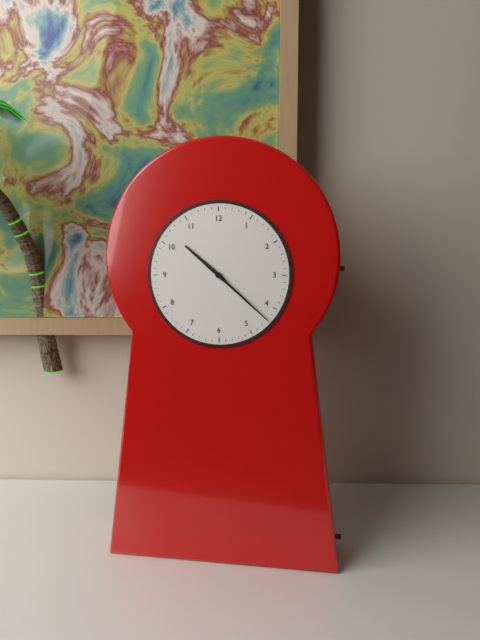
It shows {"hour": 10, "minute": 22}
